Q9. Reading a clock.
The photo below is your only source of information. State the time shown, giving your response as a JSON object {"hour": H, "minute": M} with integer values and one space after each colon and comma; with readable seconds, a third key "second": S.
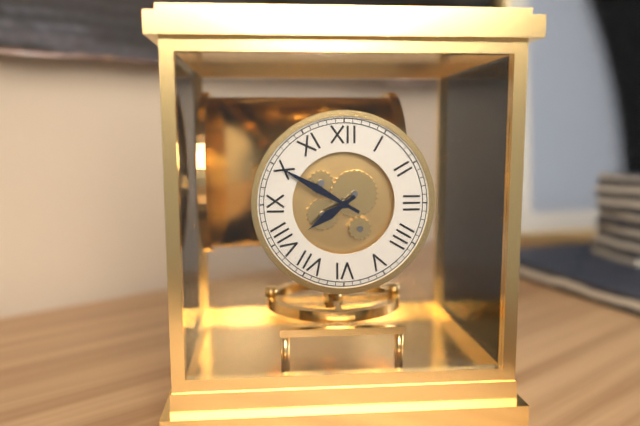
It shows {"hour": 7, "minute": 50}
